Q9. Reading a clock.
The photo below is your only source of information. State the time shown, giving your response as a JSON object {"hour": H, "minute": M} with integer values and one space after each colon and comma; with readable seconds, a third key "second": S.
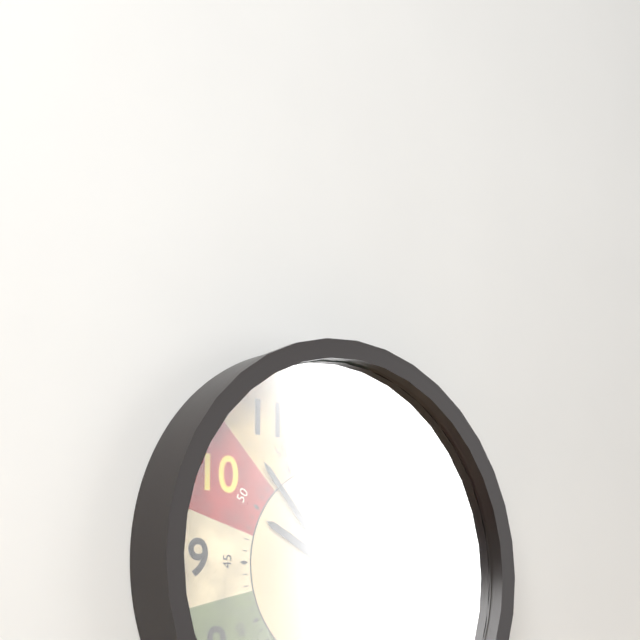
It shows {"hour": 9, "minute": 53}
